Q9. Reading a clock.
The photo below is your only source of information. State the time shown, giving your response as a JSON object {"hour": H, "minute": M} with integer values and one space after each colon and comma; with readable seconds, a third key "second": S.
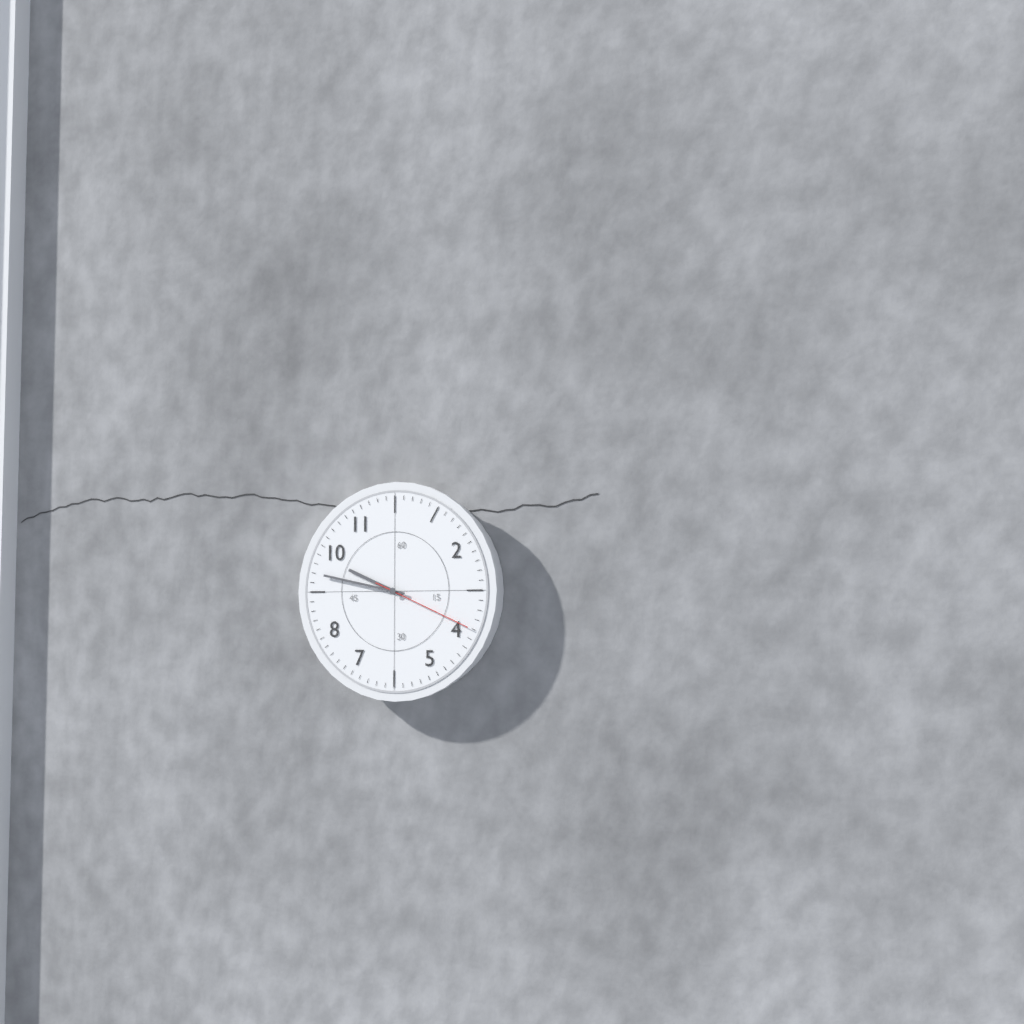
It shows {"hour": 9, "minute": 47, "second": 19}
